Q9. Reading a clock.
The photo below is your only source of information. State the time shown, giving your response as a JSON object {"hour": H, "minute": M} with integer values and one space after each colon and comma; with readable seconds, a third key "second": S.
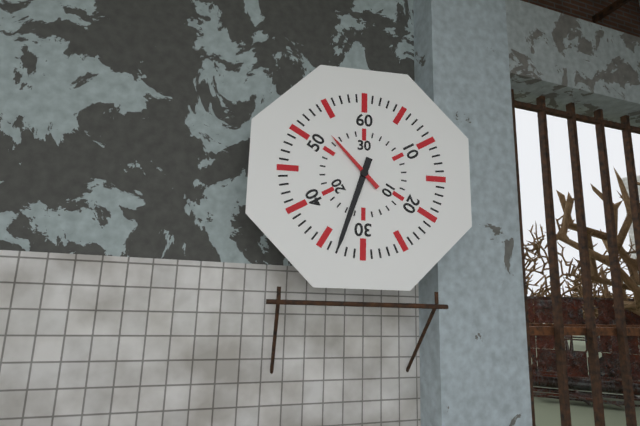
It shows {"hour": 10, "minute": 33}
